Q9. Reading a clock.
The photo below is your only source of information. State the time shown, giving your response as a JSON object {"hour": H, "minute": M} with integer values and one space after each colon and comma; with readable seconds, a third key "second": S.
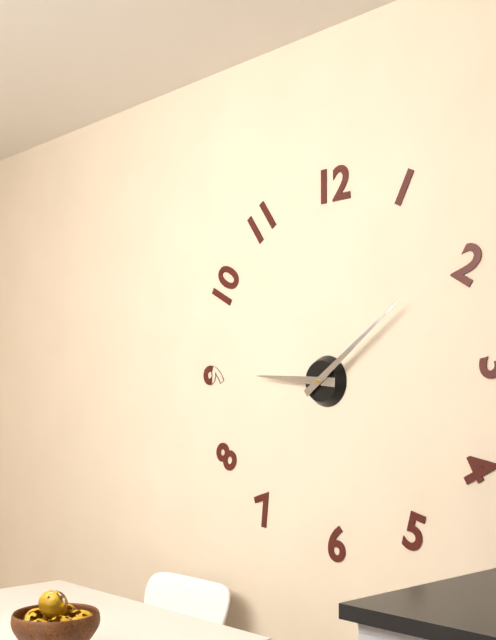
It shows {"hour": 9, "minute": 9}
